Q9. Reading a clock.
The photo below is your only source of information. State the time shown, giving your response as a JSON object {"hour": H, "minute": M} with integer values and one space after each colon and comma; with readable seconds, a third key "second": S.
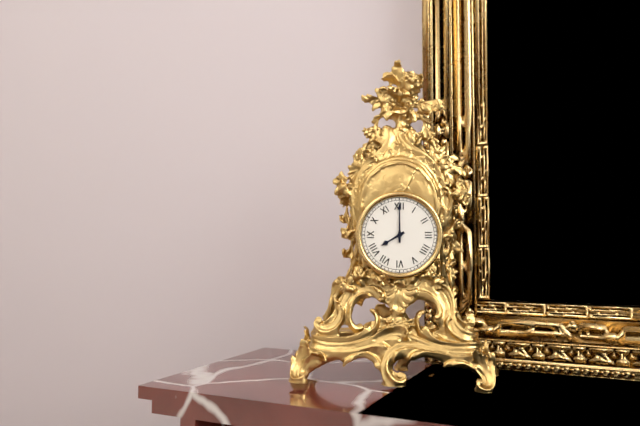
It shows {"hour": 8, "minute": 0}
